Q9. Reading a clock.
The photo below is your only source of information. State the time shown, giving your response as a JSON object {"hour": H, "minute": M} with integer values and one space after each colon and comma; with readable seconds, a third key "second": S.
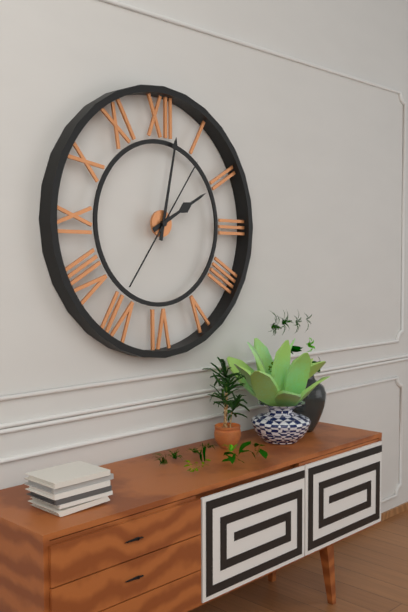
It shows {"hour": 2, "minute": 2, "second": 6}
